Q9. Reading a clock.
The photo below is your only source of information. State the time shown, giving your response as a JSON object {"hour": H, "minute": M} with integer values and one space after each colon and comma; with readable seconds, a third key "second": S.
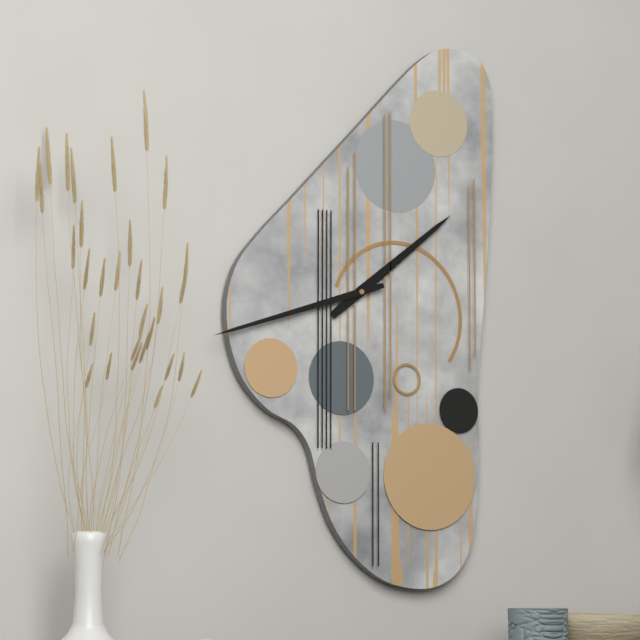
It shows {"hour": 1, "minute": 42}
